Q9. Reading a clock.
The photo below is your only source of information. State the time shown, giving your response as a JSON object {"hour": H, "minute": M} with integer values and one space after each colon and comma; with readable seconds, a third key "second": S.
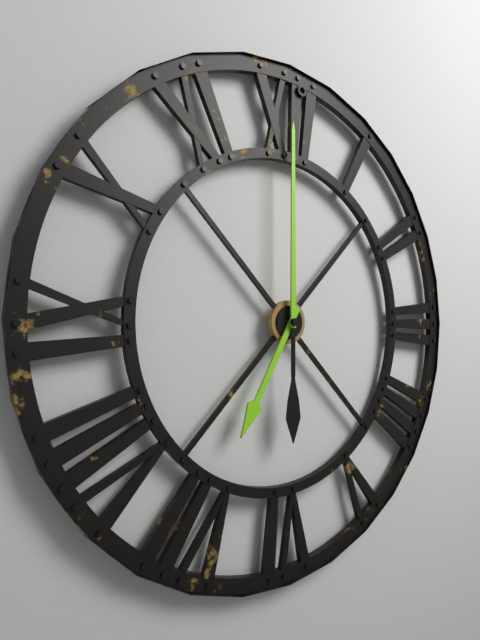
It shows {"hour": 7, "minute": 0}
